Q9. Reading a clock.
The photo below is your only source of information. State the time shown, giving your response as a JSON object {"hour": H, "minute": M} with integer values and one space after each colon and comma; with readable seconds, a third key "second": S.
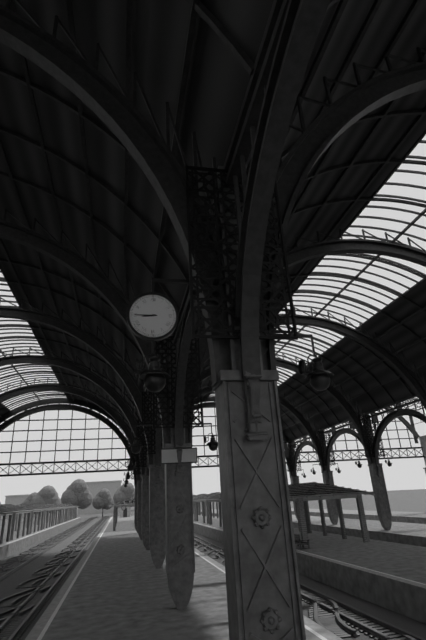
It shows {"hour": 8, "minute": 45}
